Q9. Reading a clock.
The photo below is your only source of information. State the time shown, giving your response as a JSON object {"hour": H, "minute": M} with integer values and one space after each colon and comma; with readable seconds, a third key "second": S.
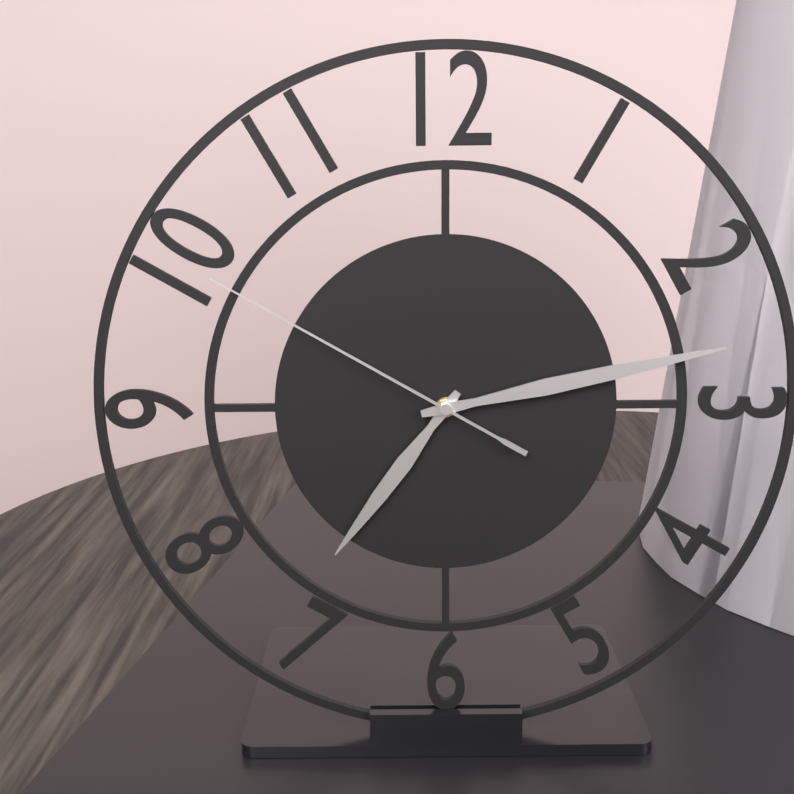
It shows {"hour": 7, "minute": 13, "second": 50}
